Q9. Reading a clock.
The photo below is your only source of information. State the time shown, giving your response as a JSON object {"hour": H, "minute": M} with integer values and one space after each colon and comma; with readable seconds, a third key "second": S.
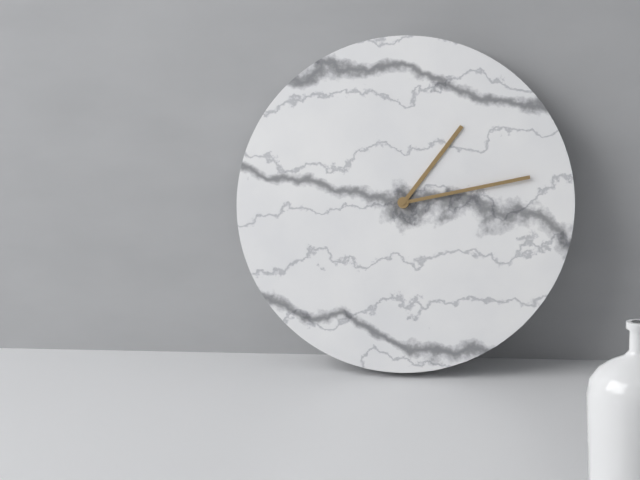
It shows {"hour": 1, "minute": 13}
